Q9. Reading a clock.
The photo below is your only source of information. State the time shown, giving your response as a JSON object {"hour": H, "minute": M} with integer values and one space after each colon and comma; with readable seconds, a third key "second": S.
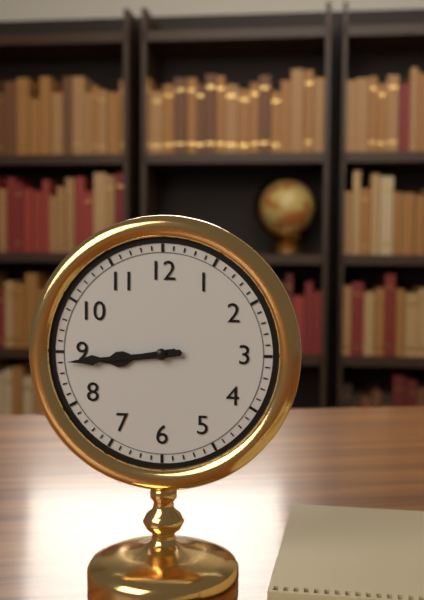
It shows {"hour": 8, "minute": 44}
